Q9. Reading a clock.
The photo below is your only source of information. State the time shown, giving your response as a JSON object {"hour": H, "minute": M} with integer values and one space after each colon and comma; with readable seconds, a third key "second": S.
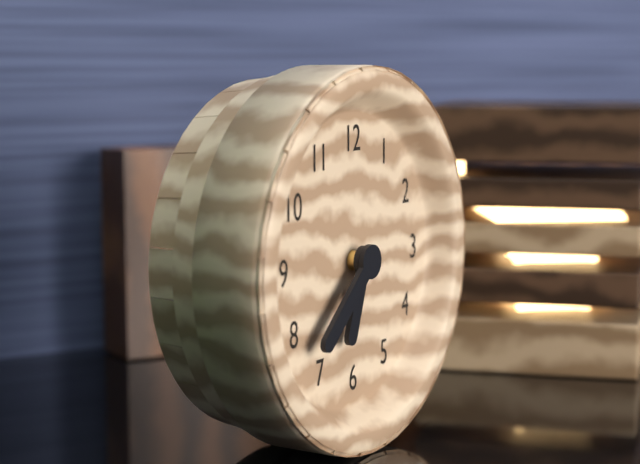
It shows {"hour": 6, "minute": 38}
